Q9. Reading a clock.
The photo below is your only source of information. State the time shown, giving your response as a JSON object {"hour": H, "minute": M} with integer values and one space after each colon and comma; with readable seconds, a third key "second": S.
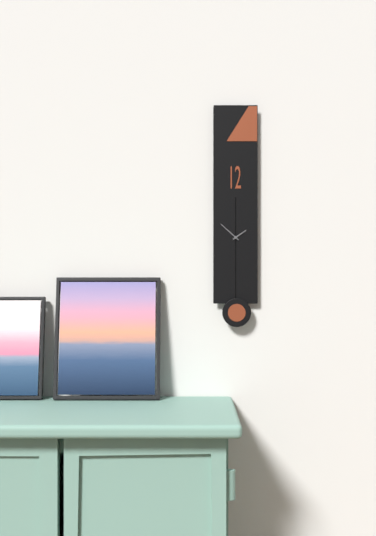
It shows {"hour": 1, "minute": 52}
